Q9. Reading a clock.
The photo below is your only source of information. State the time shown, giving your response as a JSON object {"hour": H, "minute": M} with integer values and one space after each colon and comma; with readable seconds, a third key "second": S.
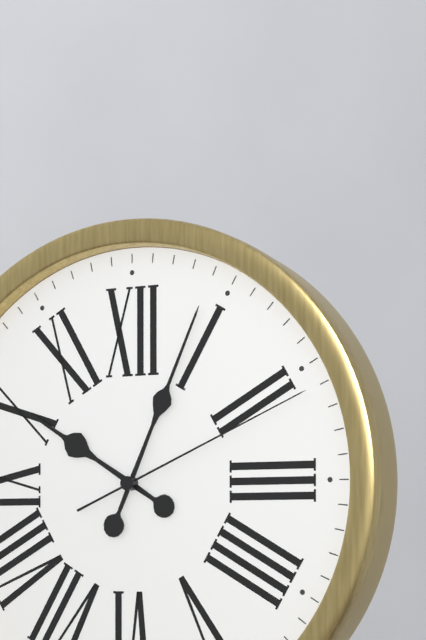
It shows {"hour": 10, "minute": 4, "second": 11}
